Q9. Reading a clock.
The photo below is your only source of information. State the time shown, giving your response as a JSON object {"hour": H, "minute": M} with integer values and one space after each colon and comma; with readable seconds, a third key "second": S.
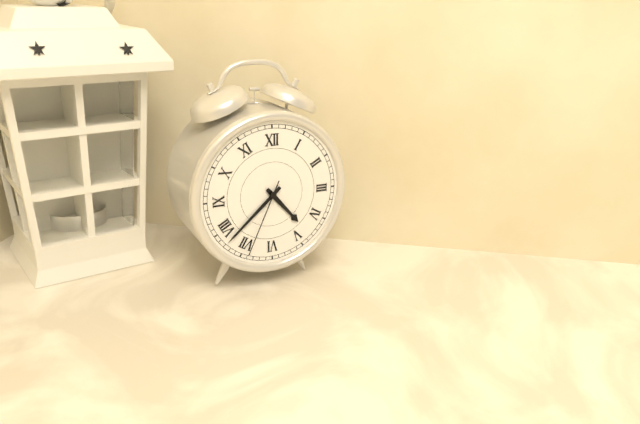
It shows {"hour": 4, "minute": 38, "second": 34}
